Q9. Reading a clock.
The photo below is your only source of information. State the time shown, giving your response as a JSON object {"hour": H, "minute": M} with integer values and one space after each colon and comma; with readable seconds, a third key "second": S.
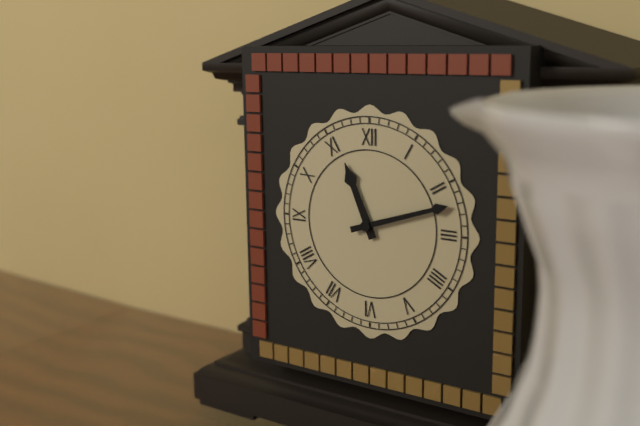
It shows {"hour": 11, "minute": 12}
